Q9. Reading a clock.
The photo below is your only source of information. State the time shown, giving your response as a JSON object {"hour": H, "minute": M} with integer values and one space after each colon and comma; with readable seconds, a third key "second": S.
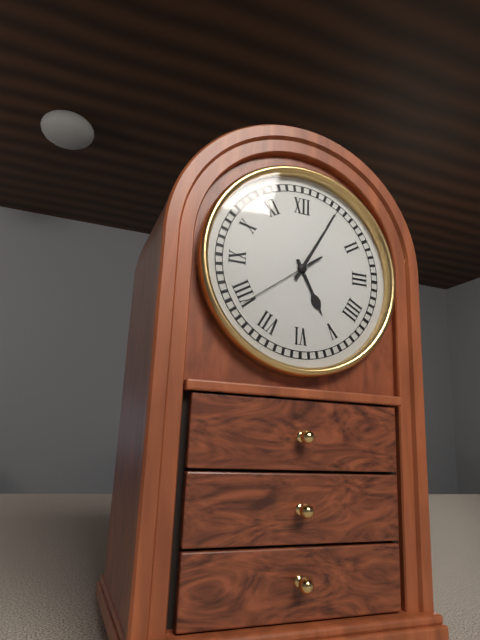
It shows {"hour": 5, "minute": 5, "second": 39}
